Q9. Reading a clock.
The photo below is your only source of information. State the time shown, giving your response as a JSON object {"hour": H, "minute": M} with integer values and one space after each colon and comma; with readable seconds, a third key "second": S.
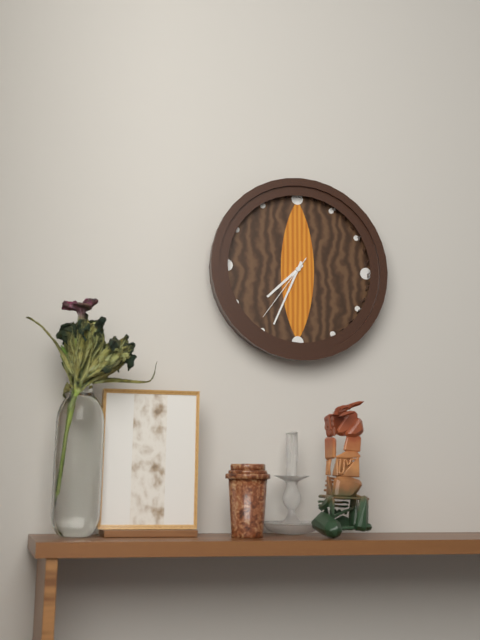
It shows {"hour": 7, "minute": 34, "second": 36}
